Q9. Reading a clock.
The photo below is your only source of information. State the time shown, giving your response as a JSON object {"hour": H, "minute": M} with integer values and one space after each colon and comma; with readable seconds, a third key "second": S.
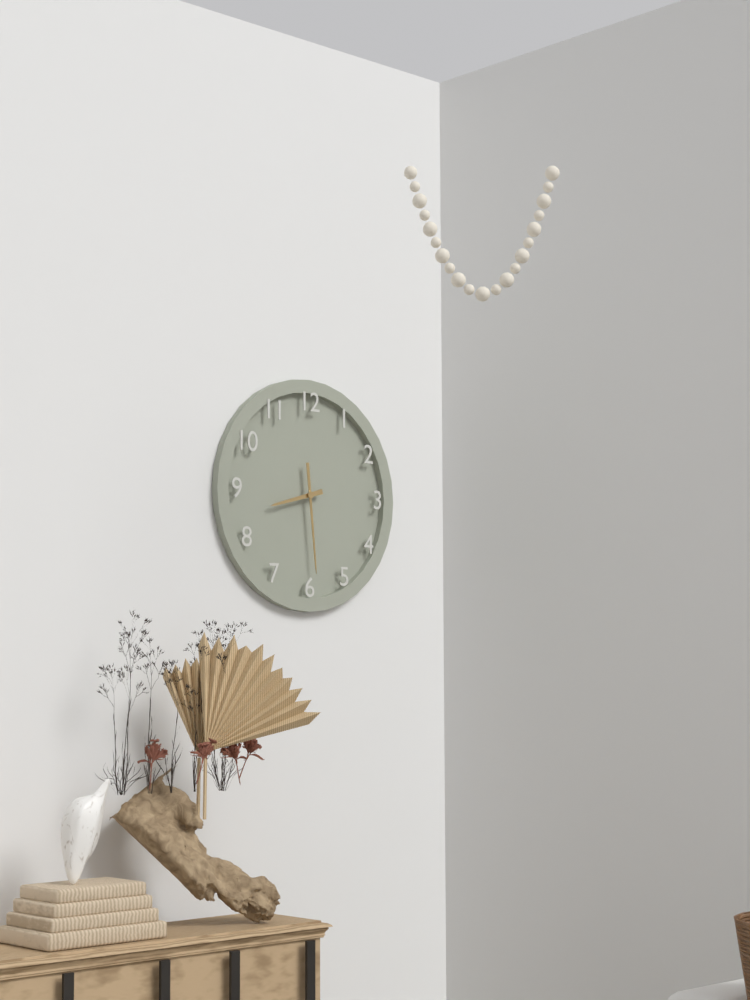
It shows {"hour": 8, "minute": 29}
